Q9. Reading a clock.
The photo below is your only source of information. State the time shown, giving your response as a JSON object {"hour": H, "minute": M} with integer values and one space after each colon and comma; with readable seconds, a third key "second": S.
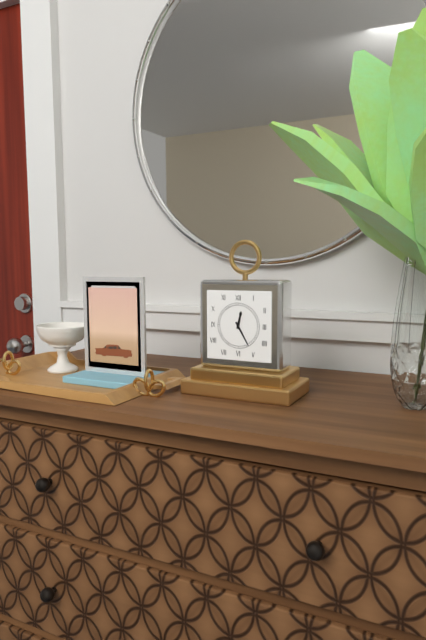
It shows {"hour": 12, "minute": 25}
